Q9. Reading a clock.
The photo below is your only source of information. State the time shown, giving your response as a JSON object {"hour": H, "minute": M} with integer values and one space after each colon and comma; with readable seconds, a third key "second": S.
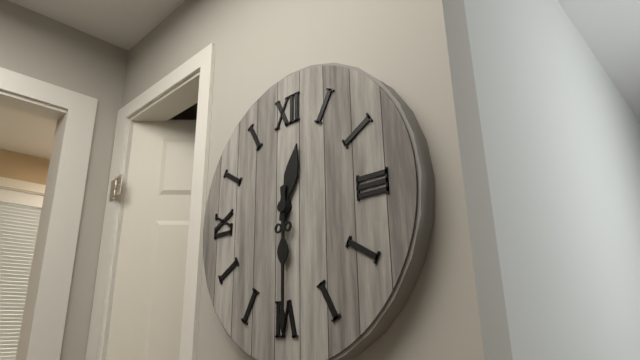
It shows {"hour": 12, "minute": 30}
